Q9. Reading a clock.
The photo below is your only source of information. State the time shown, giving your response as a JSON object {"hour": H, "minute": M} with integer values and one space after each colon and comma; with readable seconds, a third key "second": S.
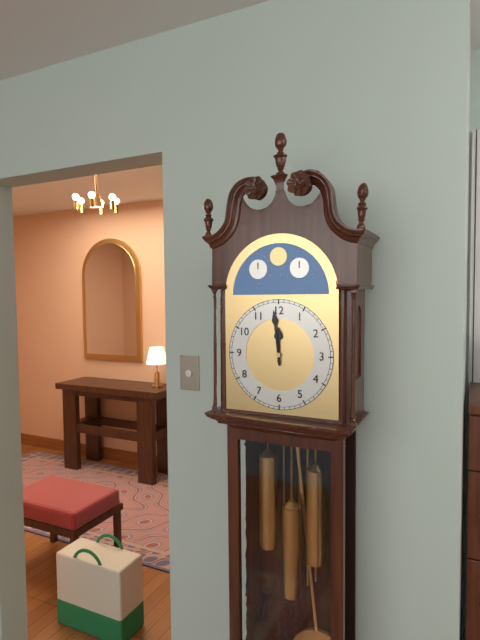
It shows {"hour": 11, "minute": 59}
